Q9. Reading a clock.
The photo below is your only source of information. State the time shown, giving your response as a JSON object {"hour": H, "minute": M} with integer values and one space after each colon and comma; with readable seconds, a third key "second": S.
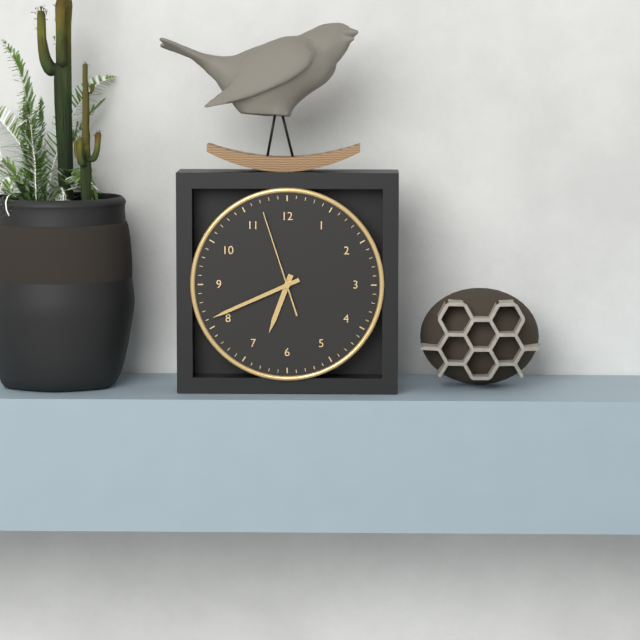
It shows {"hour": 6, "minute": 41, "second": 57}
